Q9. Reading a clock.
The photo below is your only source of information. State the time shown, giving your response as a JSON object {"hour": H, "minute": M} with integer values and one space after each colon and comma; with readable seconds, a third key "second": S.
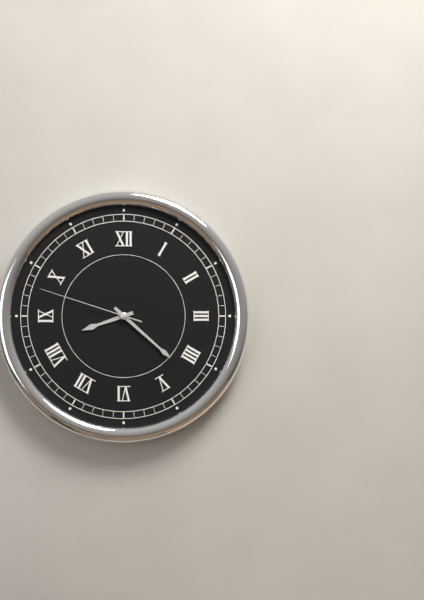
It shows {"hour": 8, "minute": 22, "second": 48}
